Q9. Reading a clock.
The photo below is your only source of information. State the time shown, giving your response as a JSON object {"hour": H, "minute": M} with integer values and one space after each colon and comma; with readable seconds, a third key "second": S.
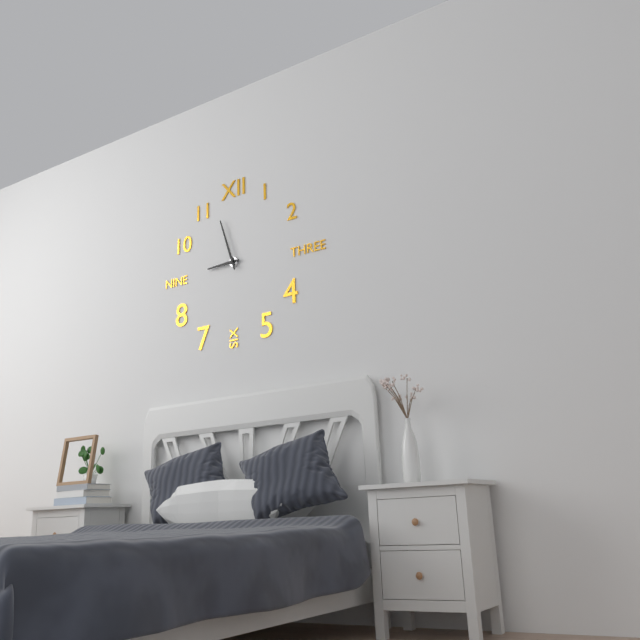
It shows {"hour": 8, "minute": 57}
